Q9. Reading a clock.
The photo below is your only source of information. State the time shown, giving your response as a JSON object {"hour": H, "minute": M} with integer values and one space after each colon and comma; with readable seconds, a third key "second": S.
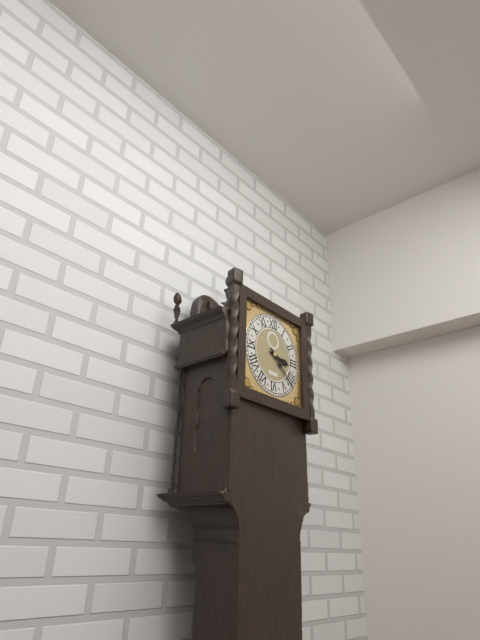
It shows {"hour": 3, "minute": 22}
